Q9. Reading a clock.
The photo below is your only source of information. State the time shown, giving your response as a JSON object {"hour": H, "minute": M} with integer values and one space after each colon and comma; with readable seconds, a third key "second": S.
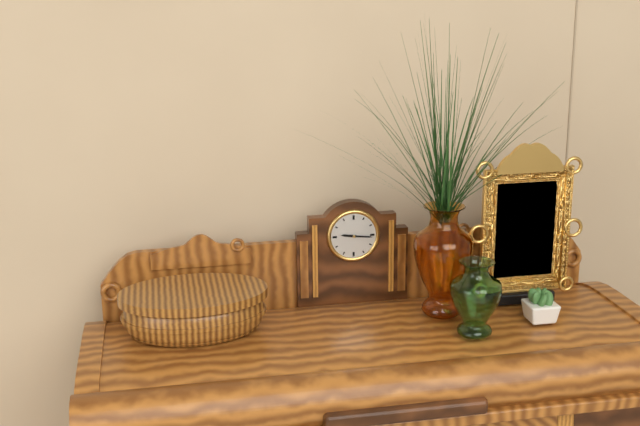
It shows {"hour": 9, "minute": 16}
